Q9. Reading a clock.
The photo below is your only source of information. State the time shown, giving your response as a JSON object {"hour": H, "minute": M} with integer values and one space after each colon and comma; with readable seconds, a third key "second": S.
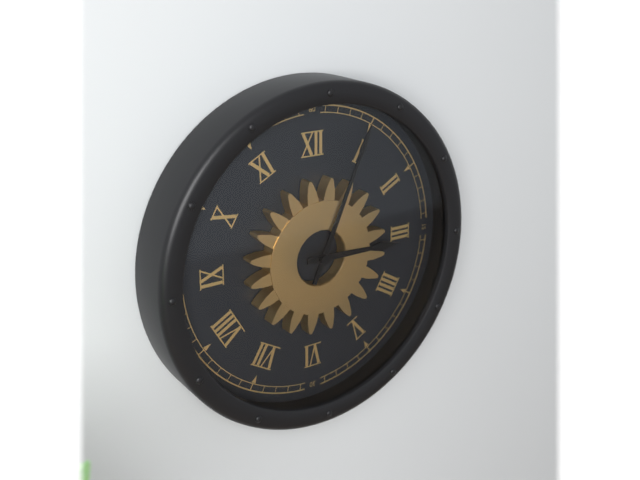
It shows {"hour": 3, "minute": 4}
